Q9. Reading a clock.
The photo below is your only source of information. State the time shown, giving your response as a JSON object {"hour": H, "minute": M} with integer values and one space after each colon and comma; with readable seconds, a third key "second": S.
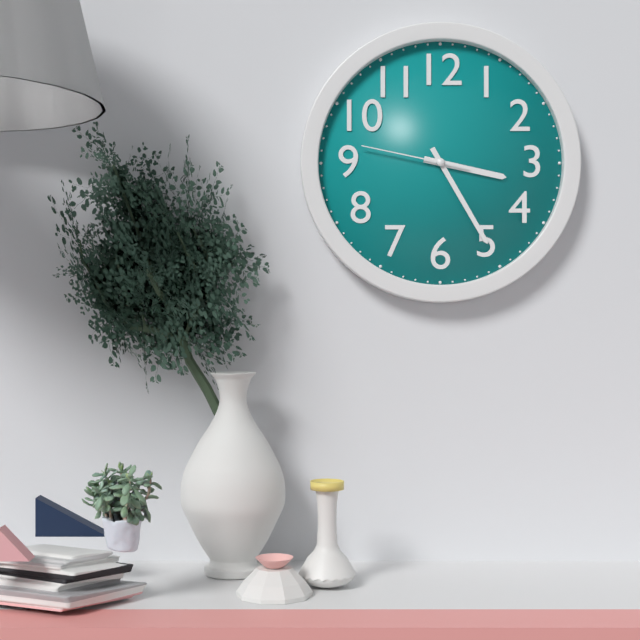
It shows {"hour": 3, "minute": 25, "second": 47}
